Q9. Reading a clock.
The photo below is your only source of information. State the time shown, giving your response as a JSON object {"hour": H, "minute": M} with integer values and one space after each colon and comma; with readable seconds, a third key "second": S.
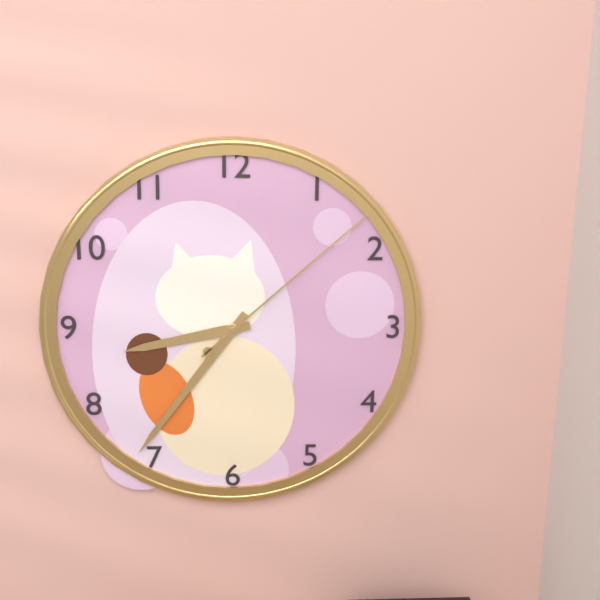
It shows {"hour": 8, "minute": 36, "second": 8}
